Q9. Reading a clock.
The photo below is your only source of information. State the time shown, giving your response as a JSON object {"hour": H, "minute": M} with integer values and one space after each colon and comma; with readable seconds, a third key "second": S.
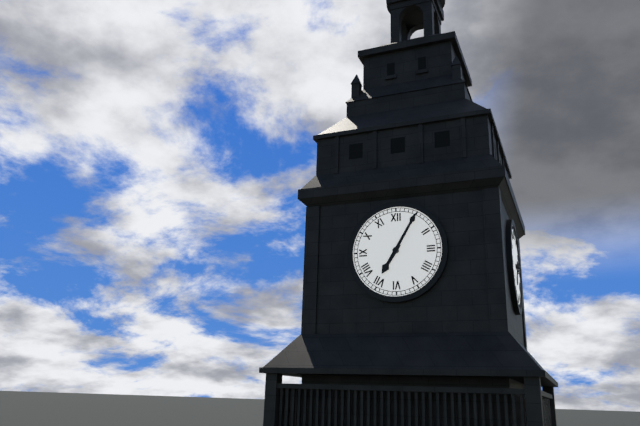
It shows {"hour": 7, "minute": 5}
